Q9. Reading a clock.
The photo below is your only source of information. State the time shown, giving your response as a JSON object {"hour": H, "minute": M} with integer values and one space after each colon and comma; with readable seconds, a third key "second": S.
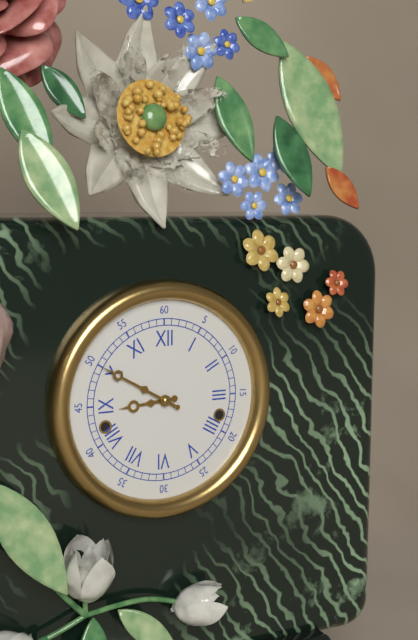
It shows {"hour": 8, "minute": 50}
